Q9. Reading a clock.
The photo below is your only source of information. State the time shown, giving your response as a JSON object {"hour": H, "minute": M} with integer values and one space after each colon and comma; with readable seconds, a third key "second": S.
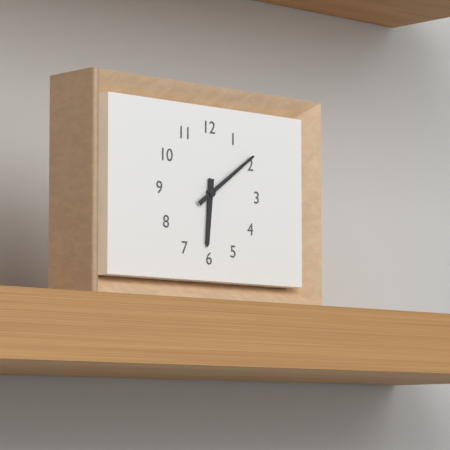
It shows {"hour": 6, "minute": 9}
